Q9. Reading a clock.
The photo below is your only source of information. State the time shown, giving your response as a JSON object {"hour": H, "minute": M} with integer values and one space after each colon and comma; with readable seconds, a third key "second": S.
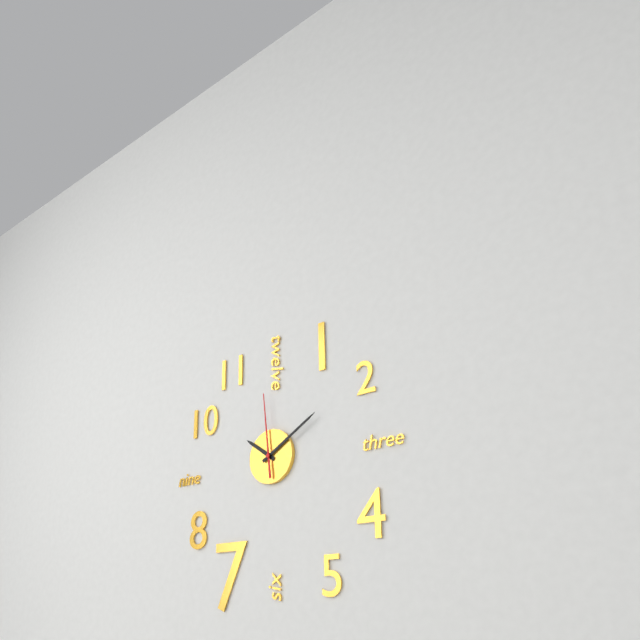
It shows {"hour": 10, "minute": 10, "second": 59}
